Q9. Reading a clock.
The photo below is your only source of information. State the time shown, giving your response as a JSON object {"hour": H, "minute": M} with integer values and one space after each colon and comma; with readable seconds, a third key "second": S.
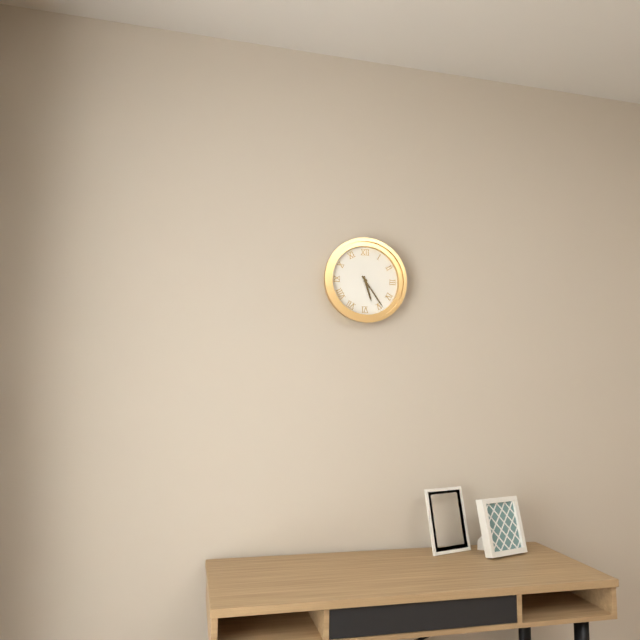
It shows {"hour": 5, "minute": 24}
